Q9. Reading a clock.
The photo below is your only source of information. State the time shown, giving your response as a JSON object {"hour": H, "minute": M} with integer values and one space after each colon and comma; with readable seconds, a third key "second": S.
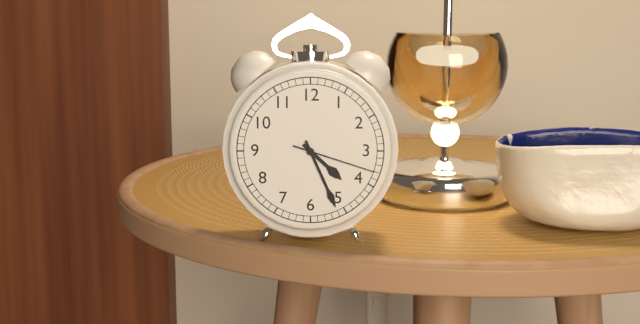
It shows {"hour": 4, "minute": 26, "second": 18}
